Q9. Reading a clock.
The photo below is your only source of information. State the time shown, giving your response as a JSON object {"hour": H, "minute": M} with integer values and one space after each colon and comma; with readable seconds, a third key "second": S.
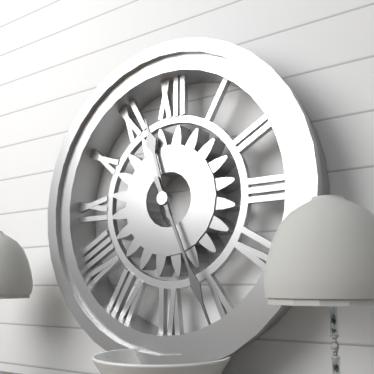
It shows {"hour": 11, "minute": 26}
